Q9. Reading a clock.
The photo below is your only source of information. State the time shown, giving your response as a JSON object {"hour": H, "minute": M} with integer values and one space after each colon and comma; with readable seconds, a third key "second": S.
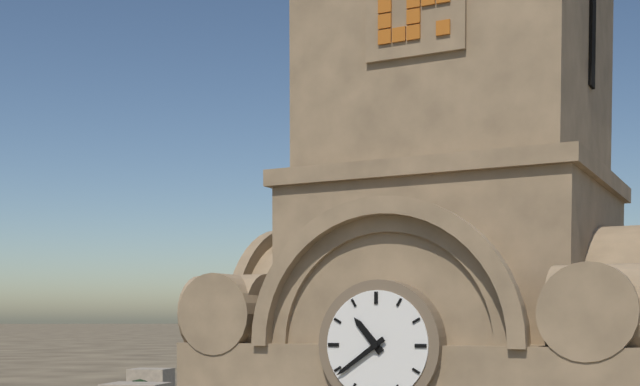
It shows {"hour": 10, "minute": 39}
